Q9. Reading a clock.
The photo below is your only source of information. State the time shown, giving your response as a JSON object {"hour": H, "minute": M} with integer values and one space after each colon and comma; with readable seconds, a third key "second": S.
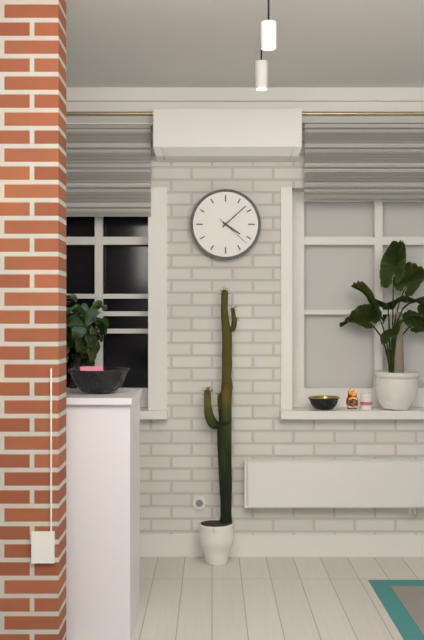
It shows {"hour": 4, "minute": 8}
